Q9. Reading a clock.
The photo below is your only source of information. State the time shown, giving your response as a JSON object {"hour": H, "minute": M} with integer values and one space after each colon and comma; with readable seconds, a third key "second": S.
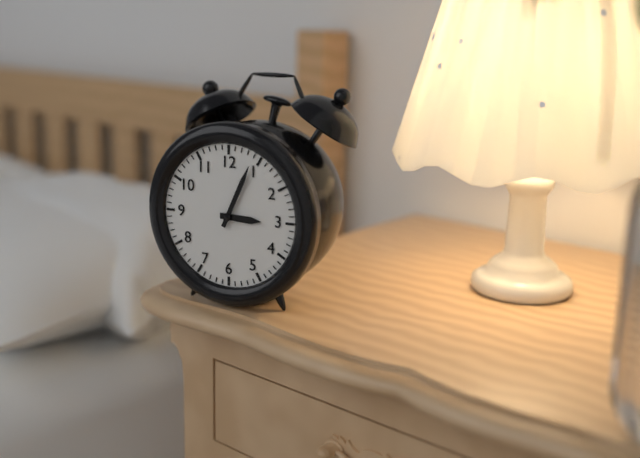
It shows {"hour": 3, "minute": 4}
